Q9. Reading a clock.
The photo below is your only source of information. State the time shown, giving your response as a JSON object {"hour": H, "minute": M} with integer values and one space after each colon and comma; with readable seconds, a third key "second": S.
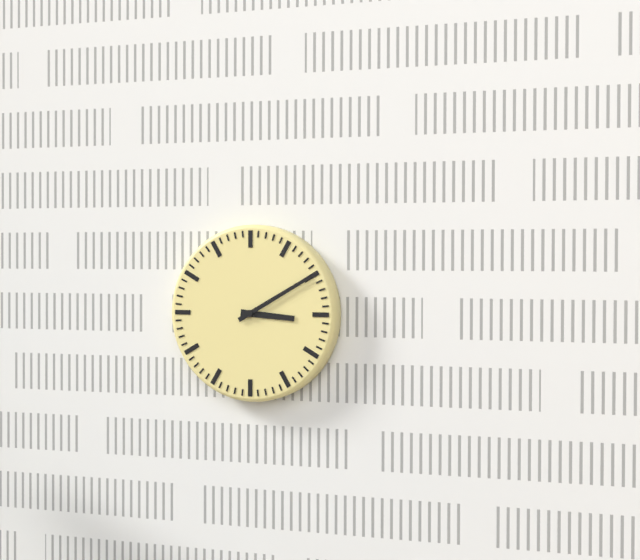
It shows {"hour": 3, "minute": 10}
